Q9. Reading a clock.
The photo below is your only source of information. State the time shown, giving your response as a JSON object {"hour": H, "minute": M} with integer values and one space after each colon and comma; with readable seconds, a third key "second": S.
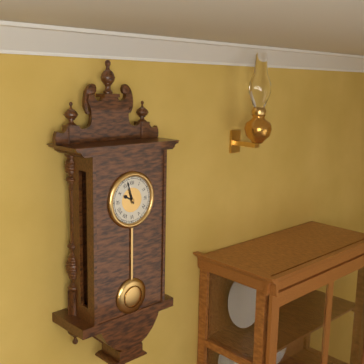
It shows {"hour": 9, "minute": 57}
